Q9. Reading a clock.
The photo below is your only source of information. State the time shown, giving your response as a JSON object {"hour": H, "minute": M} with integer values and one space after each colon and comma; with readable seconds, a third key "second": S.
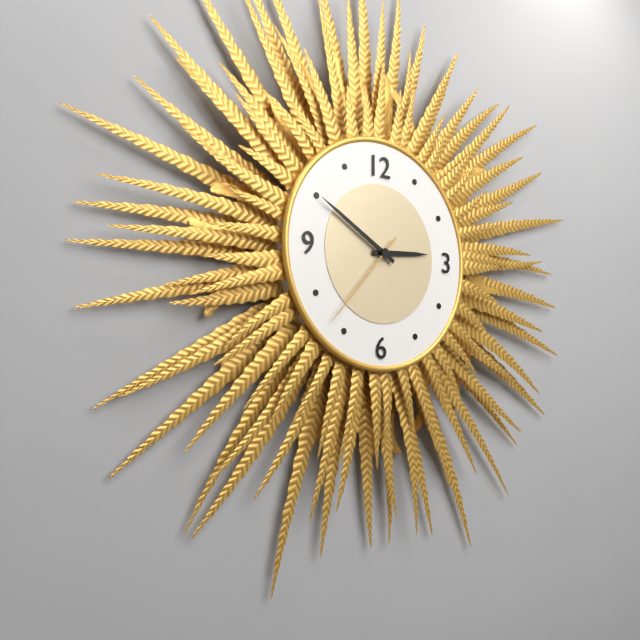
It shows {"hour": 2, "minute": 50, "second": 37}
